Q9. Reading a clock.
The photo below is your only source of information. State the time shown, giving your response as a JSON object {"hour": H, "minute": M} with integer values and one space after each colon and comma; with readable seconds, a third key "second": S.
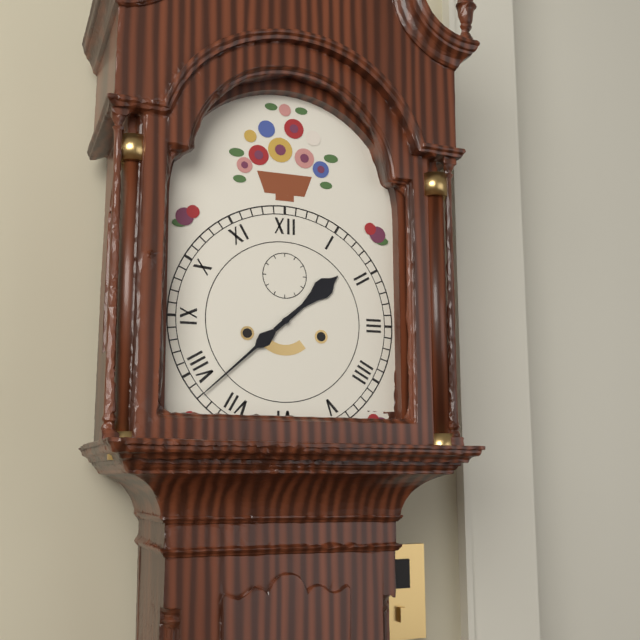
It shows {"hour": 1, "minute": 38}
